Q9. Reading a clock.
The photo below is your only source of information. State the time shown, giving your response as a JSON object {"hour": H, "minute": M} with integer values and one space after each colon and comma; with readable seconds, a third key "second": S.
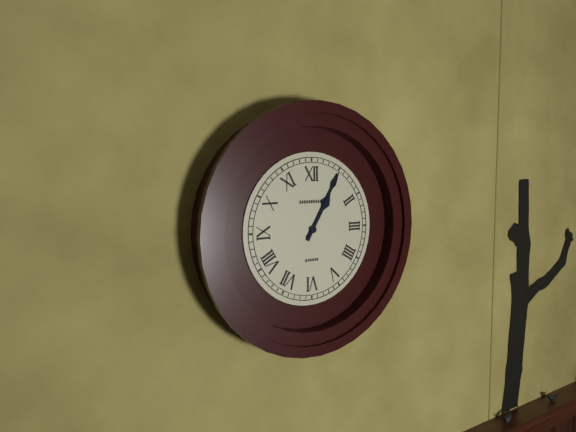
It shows {"hour": 1, "minute": 5}
